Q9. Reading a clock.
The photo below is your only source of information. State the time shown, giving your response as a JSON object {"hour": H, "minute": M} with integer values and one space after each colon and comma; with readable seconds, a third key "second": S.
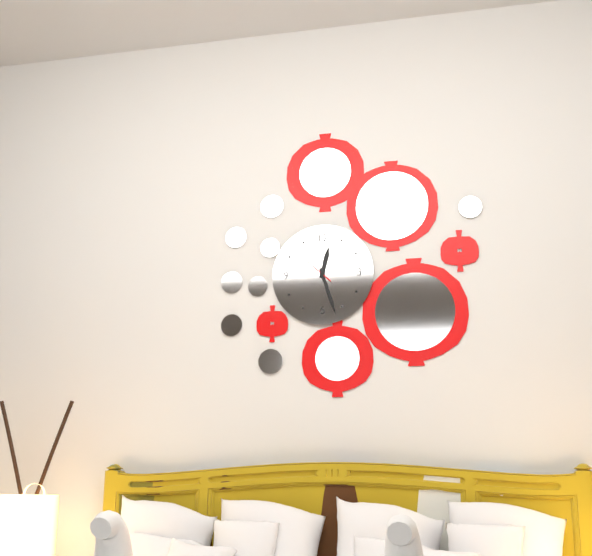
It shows {"hour": 12, "minute": 27, "second": 52}
